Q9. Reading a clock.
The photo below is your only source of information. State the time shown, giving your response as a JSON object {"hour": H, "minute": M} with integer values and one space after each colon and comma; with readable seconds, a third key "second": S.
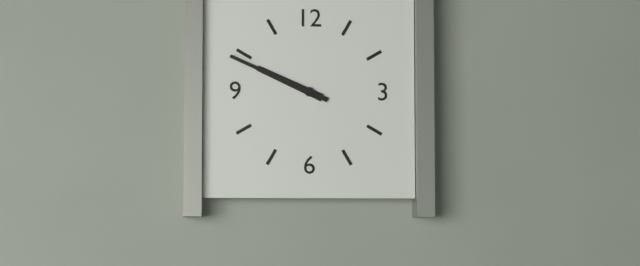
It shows {"hour": 9, "minute": 49}
